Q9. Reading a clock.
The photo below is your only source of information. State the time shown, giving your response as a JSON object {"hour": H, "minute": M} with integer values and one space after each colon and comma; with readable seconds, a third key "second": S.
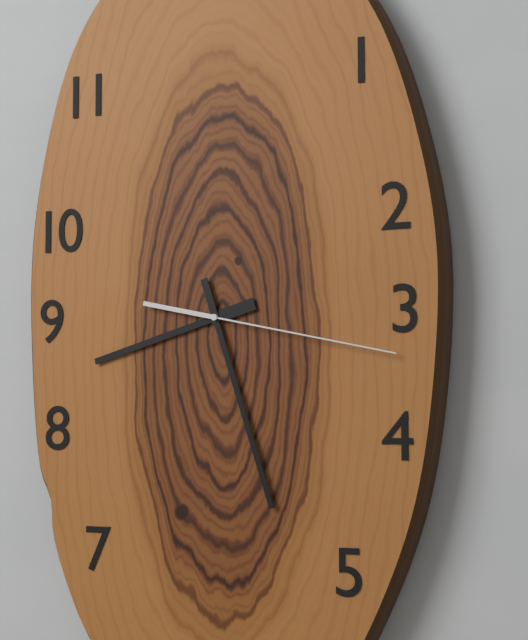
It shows {"hour": 8, "minute": 27, "second": 17}
